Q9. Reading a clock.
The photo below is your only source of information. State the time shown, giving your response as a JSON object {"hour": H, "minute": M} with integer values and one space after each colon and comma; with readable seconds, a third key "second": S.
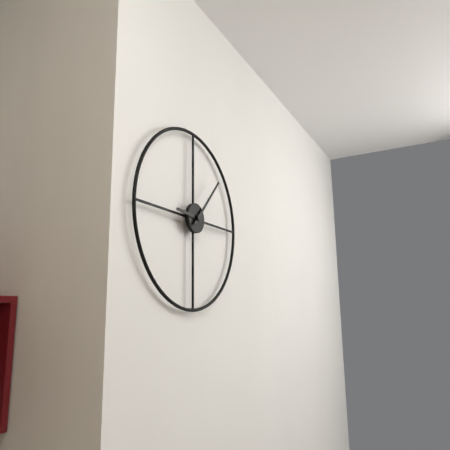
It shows {"hour": 9, "minute": 7}
